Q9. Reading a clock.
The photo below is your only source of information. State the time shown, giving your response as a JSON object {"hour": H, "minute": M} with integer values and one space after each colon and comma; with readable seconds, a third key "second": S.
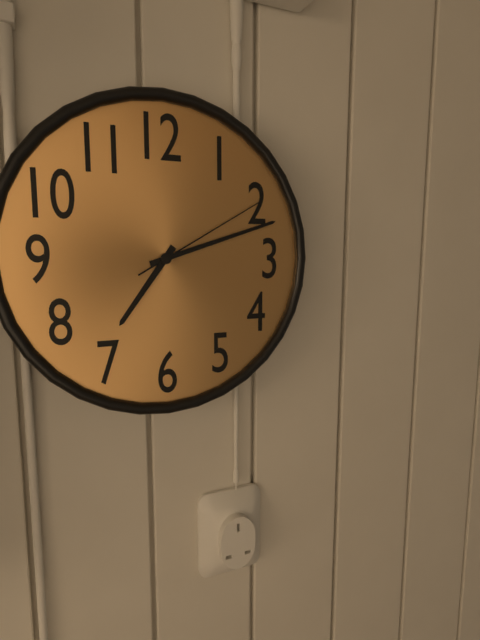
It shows {"hour": 7, "minute": 12, "second": 10}
